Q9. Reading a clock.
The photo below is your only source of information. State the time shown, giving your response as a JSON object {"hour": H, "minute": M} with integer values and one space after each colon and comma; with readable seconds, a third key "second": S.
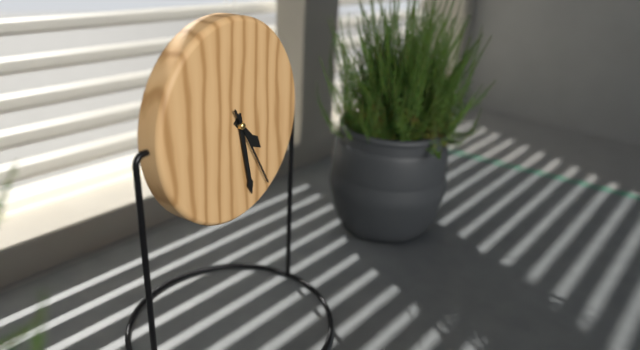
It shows {"hour": 4, "minute": 28, "second": 25}
